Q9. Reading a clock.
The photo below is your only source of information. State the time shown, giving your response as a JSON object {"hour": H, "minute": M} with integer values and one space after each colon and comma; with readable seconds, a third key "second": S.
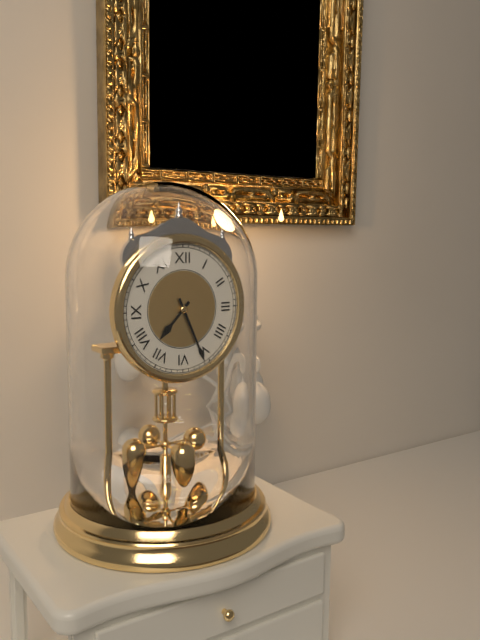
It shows {"hour": 7, "minute": 26}
